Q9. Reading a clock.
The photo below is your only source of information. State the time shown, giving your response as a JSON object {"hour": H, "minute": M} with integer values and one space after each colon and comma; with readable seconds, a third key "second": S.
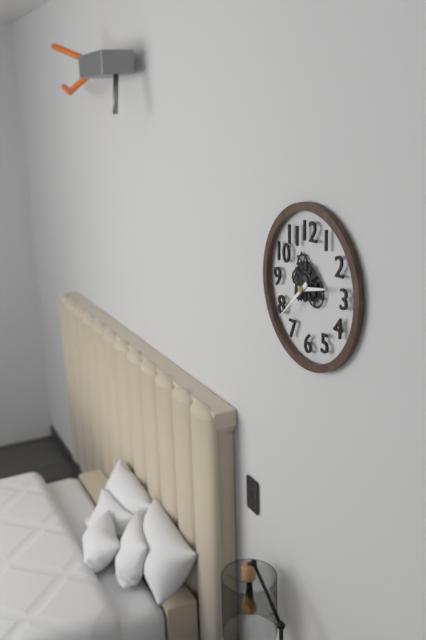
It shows {"hour": 2, "minute": 38}
